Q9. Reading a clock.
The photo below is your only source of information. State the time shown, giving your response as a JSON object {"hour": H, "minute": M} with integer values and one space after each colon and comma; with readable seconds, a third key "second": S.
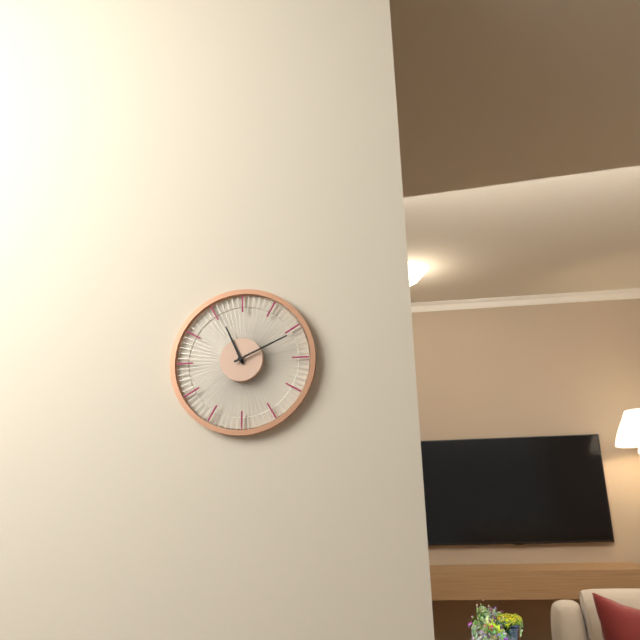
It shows {"hour": 11, "minute": 11}
